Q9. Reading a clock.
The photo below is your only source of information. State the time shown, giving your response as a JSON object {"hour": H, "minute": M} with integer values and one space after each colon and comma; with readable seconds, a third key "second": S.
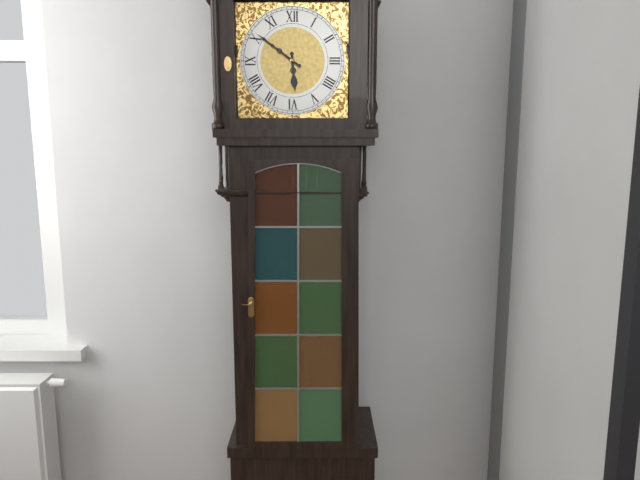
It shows {"hour": 5, "minute": 51}
